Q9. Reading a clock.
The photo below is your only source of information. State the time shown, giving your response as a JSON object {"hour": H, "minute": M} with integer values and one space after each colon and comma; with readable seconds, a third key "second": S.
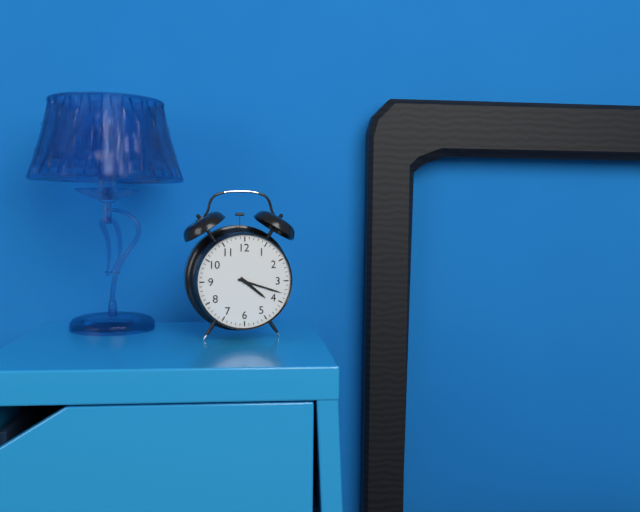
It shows {"hour": 4, "minute": 18}
